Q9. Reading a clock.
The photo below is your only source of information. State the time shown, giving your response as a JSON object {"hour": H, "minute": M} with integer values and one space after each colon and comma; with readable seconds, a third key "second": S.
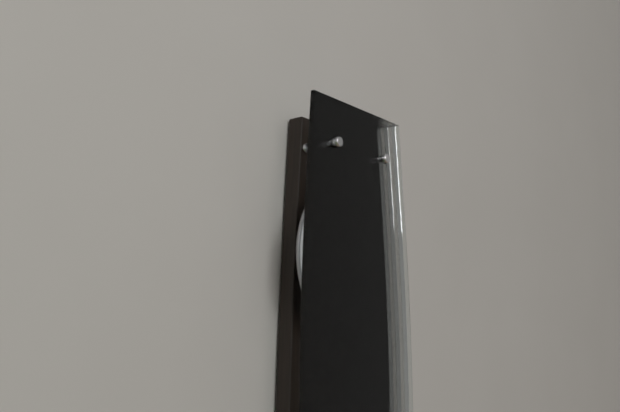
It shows {"hour": 6, "minute": 35}
